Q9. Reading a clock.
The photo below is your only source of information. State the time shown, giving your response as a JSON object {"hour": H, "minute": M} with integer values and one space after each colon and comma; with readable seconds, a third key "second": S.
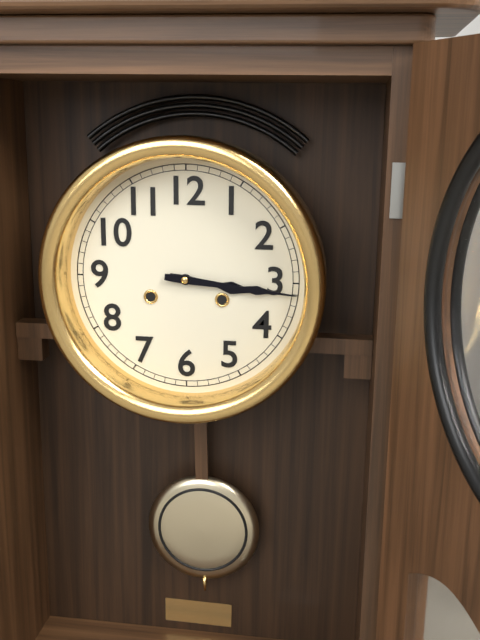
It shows {"hour": 3, "minute": 16}
